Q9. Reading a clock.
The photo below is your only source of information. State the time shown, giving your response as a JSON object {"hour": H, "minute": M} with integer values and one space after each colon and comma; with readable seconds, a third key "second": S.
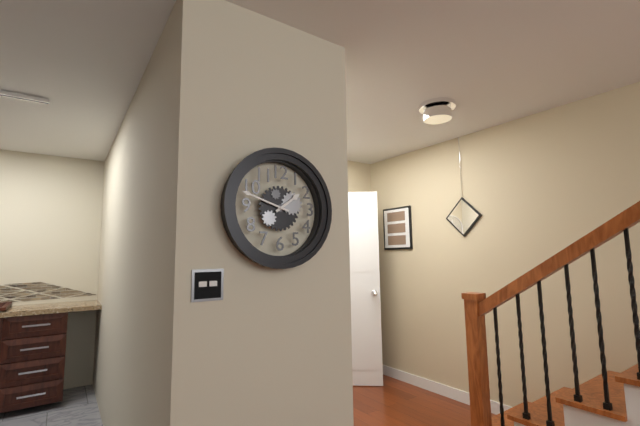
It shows {"hour": 1, "minute": 48}
